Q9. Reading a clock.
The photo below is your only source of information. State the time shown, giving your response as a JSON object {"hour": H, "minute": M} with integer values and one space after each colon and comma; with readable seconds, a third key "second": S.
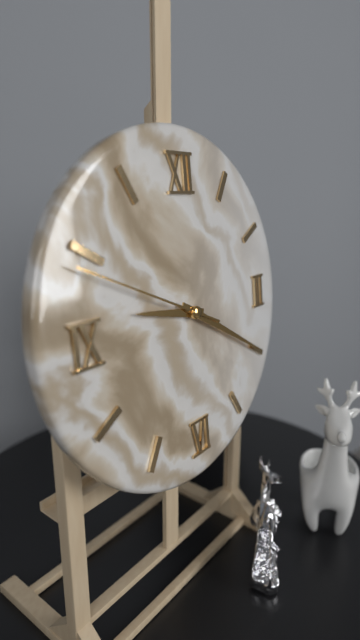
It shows {"hour": 9, "minute": 20, "second": 49}
